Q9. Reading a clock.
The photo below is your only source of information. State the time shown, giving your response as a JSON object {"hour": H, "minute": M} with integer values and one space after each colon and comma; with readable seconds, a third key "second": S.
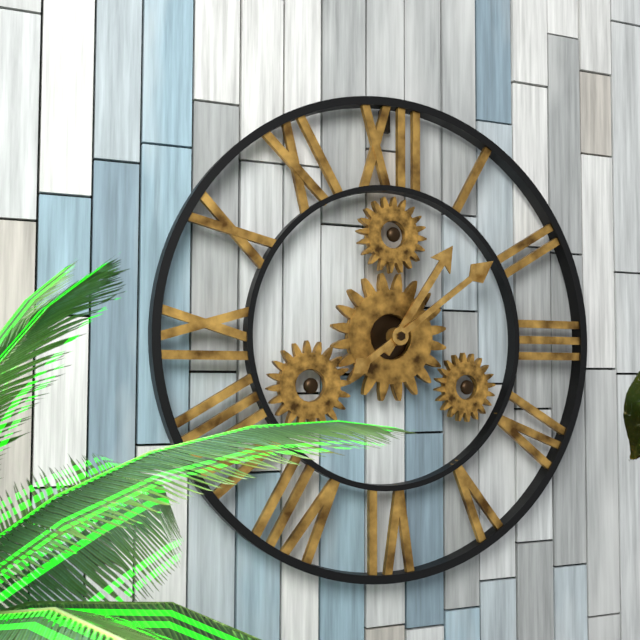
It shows {"hour": 1, "minute": 9}
